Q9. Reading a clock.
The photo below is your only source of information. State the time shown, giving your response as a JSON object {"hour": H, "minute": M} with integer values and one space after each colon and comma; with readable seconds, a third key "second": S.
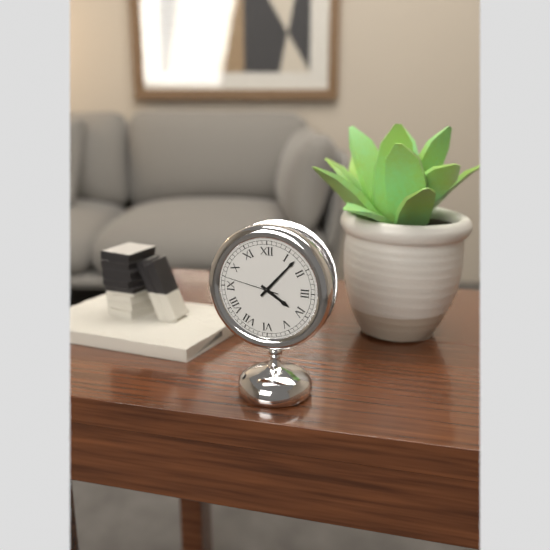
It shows {"hour": 4, "minute": 7, "second": 47}
